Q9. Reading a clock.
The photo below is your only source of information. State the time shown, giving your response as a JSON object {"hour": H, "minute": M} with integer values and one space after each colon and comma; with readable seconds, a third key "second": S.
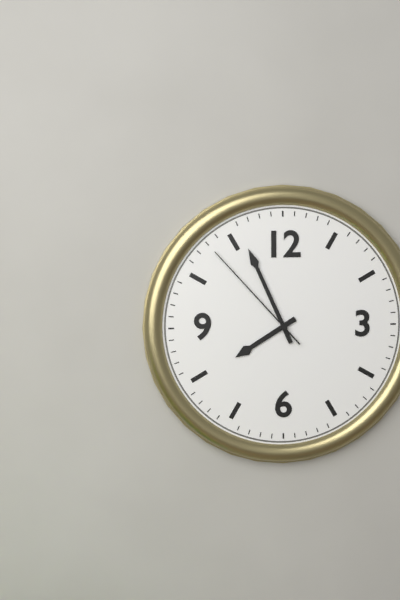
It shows {"hour": 7, "minute": 56, "second": 53}
